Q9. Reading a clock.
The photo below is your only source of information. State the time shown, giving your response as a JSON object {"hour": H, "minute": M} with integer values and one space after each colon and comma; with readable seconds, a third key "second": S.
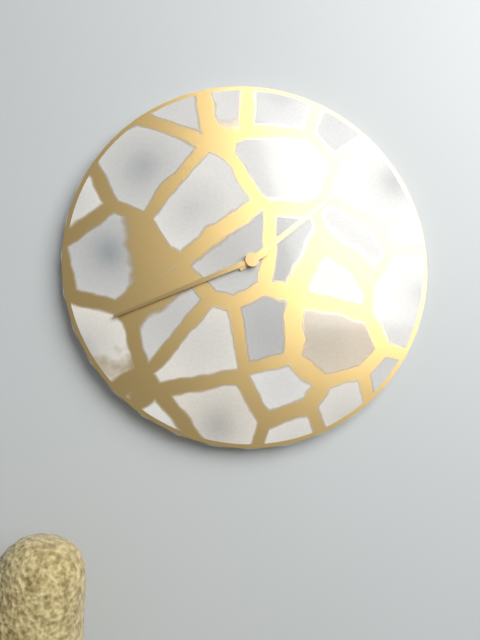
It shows {"hour": 1, "minute": 41}
